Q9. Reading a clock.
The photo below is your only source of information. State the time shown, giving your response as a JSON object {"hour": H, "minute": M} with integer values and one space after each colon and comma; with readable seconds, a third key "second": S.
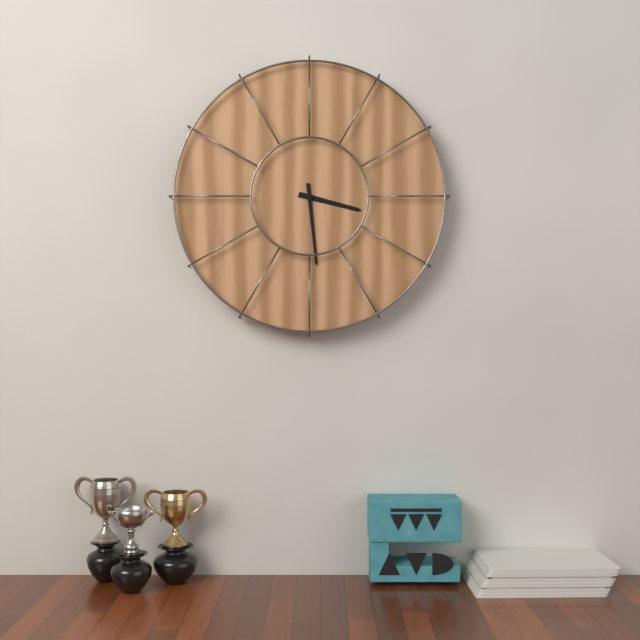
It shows {"hour": 3, "minute": 29}
